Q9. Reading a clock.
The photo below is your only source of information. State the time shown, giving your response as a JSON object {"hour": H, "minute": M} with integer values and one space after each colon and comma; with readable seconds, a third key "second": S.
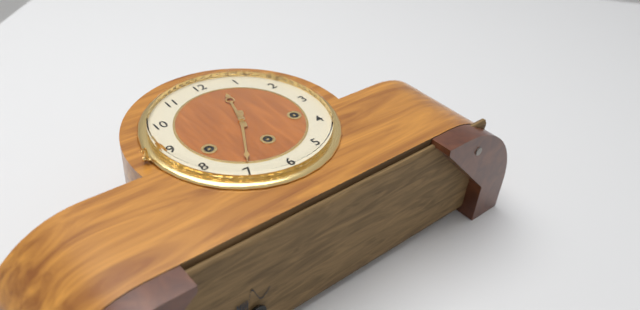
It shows {"hour": 12, "minute": 35}
